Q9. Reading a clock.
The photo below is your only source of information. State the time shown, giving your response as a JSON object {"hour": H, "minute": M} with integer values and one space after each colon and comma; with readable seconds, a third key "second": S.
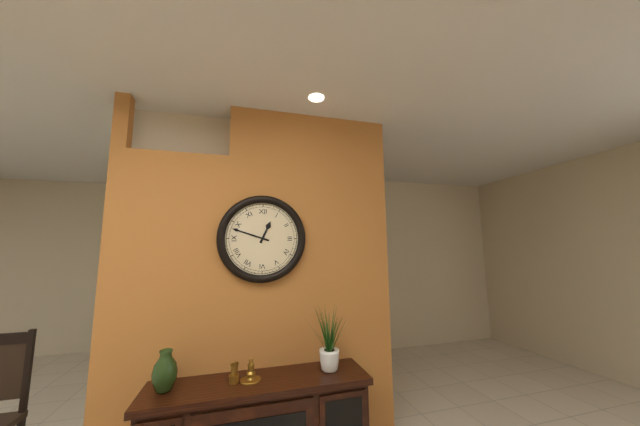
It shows {"hour": 12, "minute": 48}
